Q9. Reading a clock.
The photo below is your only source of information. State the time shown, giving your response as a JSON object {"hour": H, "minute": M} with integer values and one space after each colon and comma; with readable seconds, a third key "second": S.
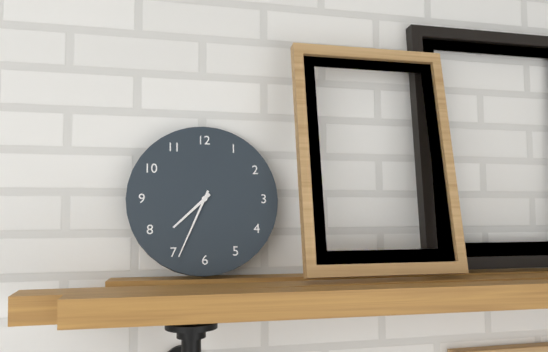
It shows {"hour": 7, "minute": 34}
